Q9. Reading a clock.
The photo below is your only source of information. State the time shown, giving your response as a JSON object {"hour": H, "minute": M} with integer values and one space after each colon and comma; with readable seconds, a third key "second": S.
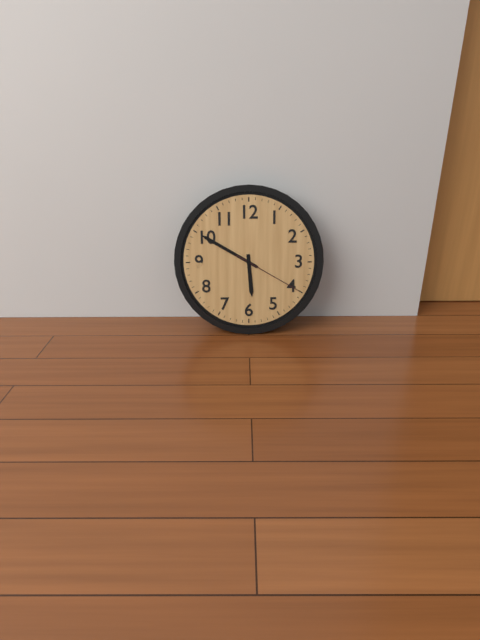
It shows {"hour": 5, "minute": 50, "second": 20}
